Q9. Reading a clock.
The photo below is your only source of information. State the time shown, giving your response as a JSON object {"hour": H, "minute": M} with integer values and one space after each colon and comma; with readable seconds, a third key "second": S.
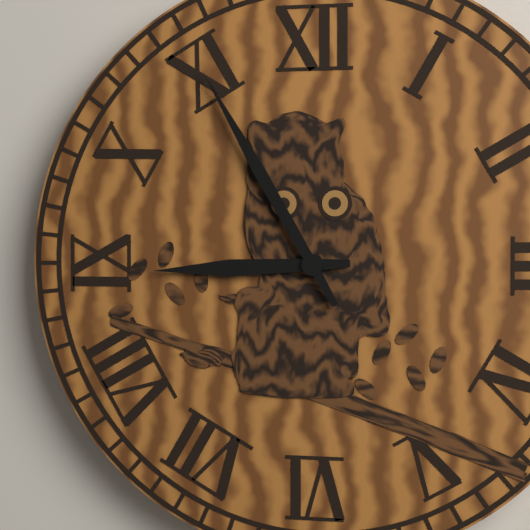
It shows {"hour": 8, "minute": 55}
